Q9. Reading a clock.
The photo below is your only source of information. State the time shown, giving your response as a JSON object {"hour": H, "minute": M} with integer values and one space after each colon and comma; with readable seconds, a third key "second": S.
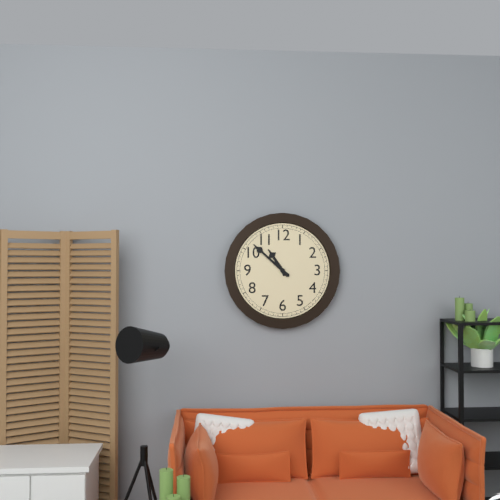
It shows {"hour": 10, "minute": 52}
